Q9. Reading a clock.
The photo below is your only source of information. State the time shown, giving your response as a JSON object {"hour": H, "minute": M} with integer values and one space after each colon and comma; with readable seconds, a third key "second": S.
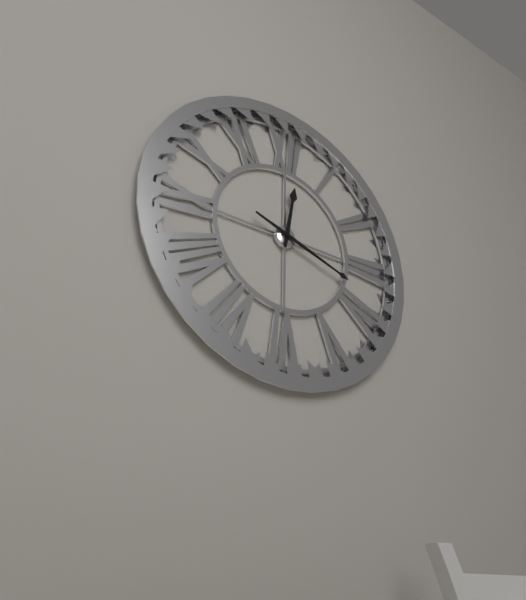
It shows {"hour": 12, "minute": 18}
